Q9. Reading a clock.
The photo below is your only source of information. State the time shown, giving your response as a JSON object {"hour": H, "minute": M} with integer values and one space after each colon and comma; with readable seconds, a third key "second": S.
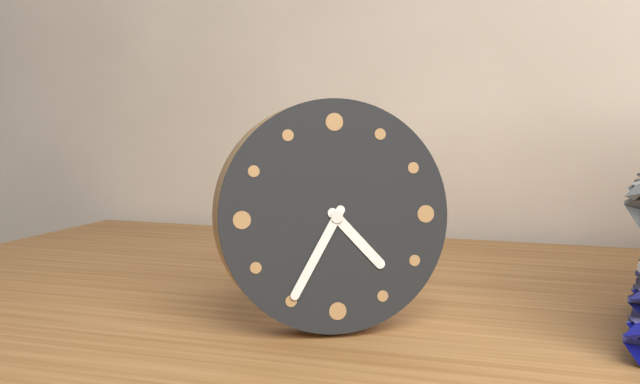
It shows {"hour": 4, "minute": 35}
